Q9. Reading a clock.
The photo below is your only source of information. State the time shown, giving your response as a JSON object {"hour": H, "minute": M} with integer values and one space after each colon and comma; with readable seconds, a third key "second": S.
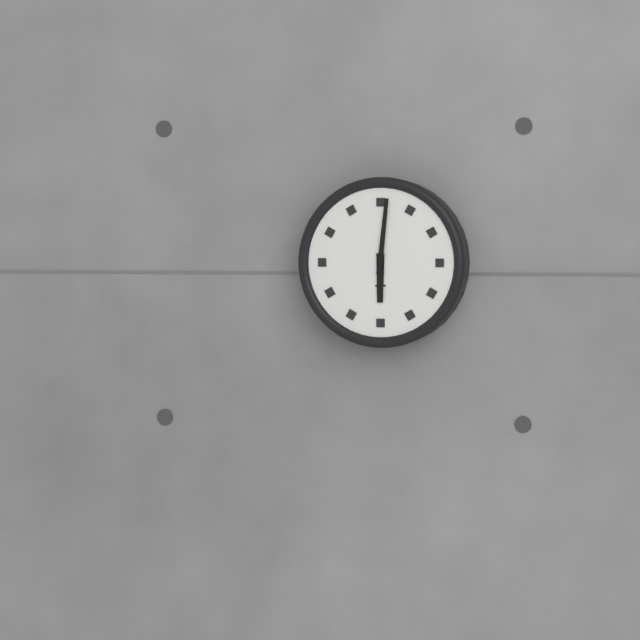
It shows {"hour": 6, "minute": 1}
